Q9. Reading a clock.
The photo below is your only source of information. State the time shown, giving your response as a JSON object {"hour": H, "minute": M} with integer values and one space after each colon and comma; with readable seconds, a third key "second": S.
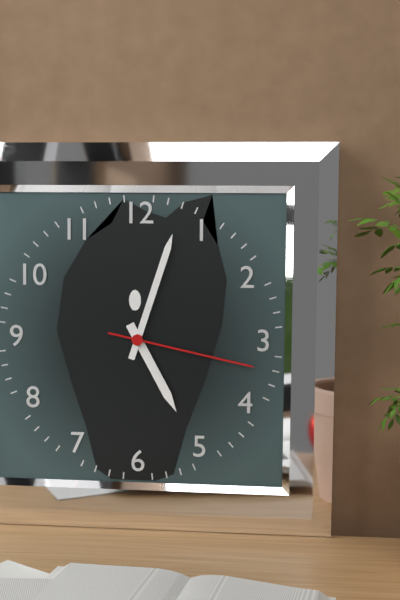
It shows {"hour": 5, "minute": 3, "second": 17}
